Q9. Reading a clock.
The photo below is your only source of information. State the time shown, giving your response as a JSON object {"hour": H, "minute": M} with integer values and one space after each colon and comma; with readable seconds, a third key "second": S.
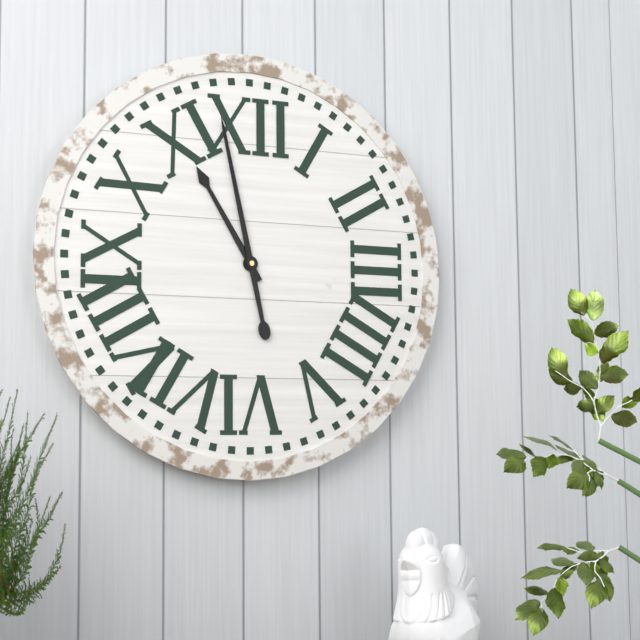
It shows {"hour": 10, "minute": 58}
